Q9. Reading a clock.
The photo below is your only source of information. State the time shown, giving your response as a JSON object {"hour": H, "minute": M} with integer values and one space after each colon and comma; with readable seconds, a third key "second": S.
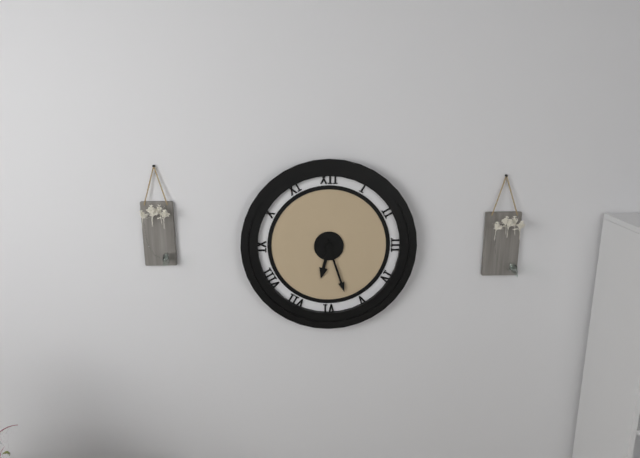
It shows {"hour": 6, "minute": 27}
